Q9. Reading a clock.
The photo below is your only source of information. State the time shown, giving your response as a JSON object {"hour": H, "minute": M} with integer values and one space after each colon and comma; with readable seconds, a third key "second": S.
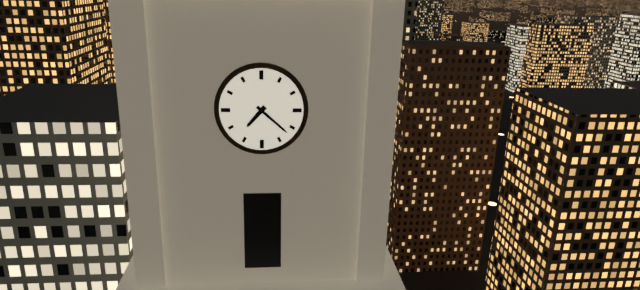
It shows {"hour": 7, "minute": 22}
